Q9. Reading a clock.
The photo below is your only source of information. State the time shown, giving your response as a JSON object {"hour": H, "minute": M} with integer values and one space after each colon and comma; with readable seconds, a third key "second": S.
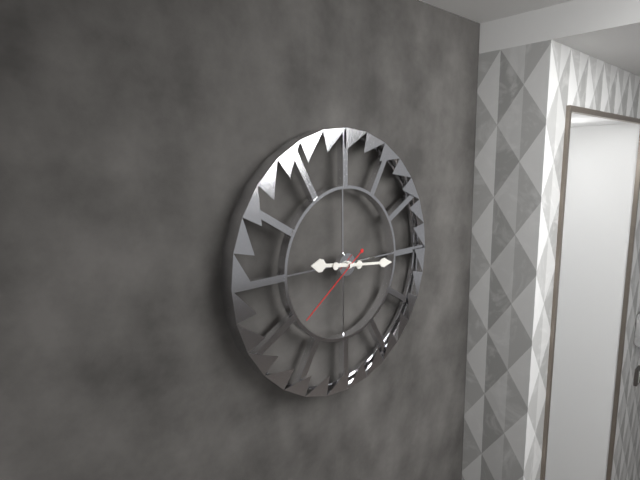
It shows {"hour": 9, "minute": 16, "second": 39}
